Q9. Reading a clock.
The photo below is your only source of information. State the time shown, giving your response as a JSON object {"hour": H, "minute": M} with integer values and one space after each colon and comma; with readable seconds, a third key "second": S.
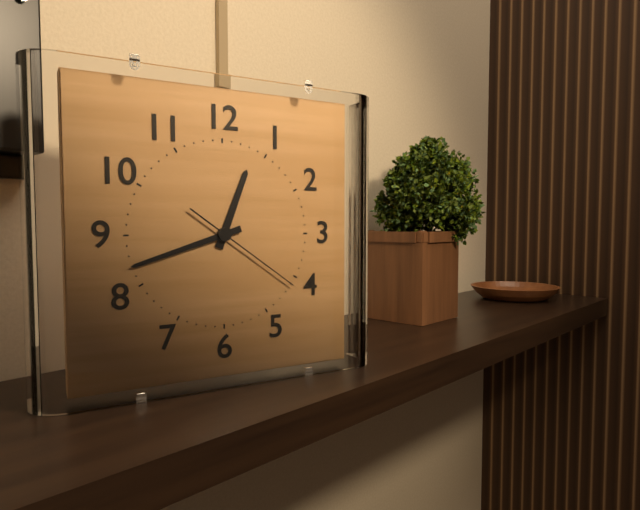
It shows {"hour": 12, "minute": 42, "second": 21}
